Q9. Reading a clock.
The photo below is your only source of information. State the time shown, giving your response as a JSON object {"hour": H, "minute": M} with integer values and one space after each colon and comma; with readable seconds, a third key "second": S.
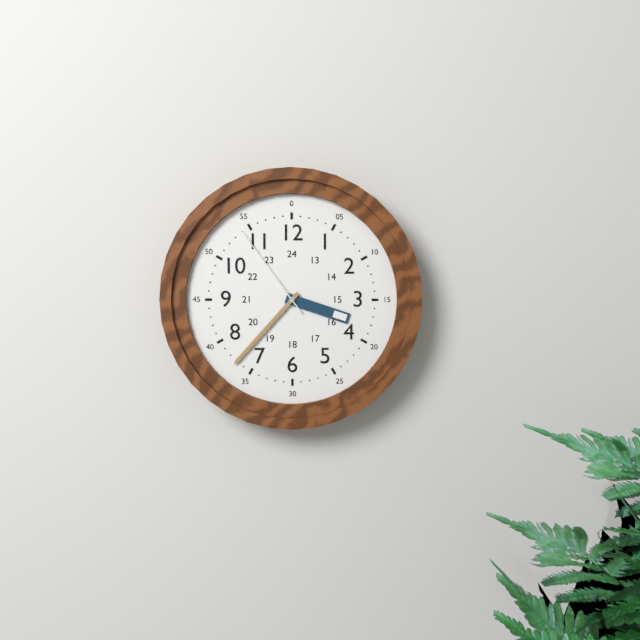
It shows {"hour": 3, "minute": 37, "second": 54}
